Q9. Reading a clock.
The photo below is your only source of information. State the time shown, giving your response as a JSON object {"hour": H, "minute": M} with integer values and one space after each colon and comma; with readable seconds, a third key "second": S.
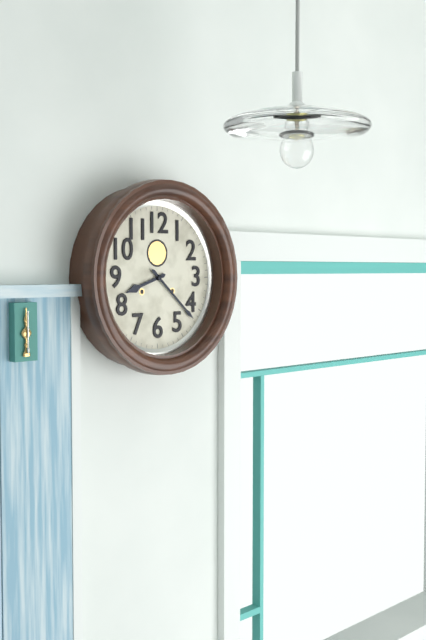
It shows {"hour": 8, "minute": 22}
